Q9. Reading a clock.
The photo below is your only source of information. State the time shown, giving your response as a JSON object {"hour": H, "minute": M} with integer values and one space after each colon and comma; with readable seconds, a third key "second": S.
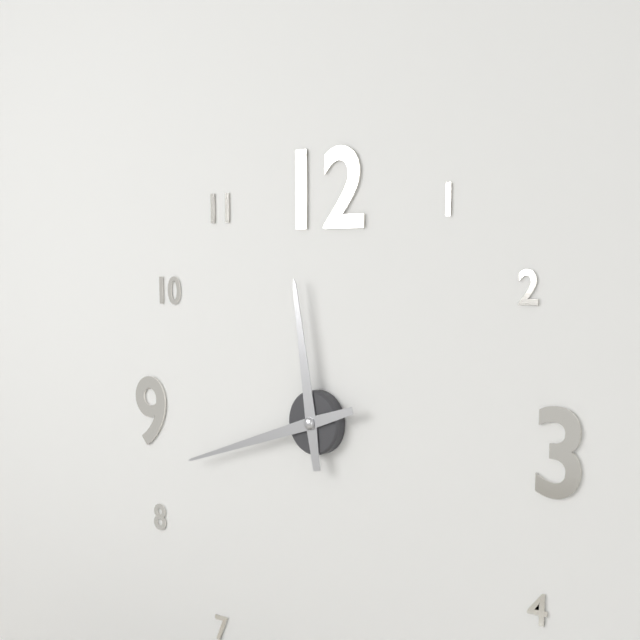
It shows {"hour": 11, "minute": 42}
